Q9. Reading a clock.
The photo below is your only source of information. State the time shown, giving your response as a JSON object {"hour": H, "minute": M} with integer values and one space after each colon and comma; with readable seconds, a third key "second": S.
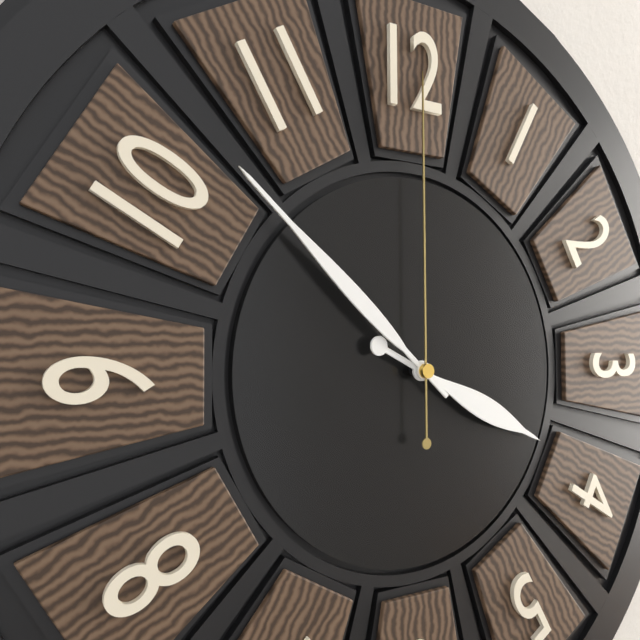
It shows {"hour": 3, "minute": 52, "second": 0}
